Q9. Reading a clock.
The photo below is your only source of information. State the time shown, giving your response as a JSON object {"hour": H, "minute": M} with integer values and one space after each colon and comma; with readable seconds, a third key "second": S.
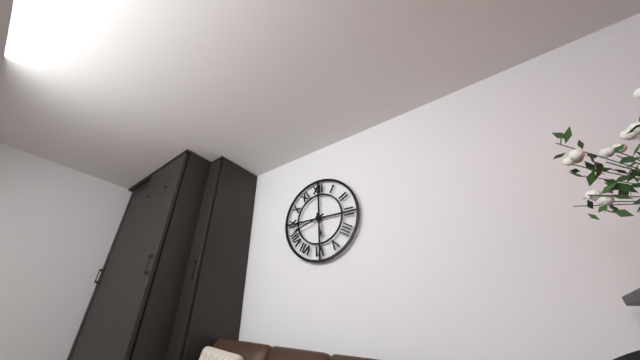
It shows {"hour": 5, "minute": 42}
